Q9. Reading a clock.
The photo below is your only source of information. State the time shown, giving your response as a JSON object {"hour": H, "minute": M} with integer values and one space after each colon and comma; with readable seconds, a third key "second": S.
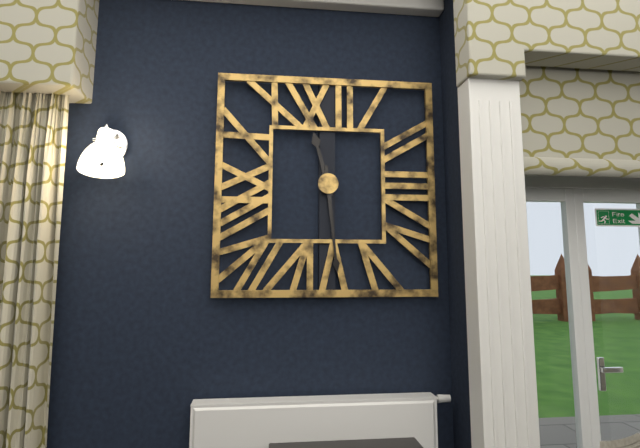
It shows {"hour": 11, "minute": 29}
